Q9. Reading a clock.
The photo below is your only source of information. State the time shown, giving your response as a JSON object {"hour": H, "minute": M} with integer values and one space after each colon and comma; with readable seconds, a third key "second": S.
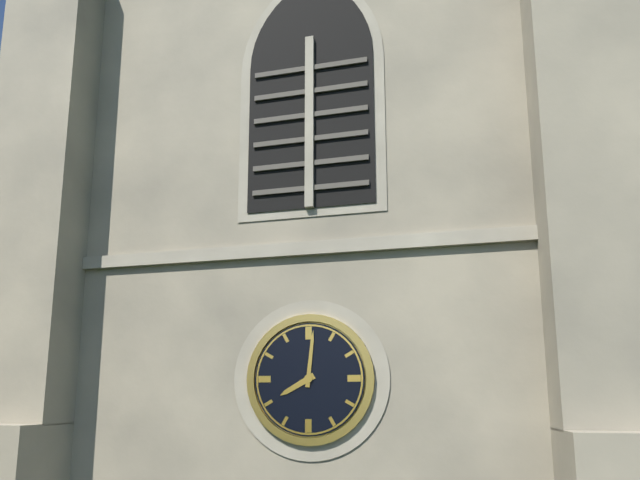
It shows {"hour": 8, "minute": 1}
